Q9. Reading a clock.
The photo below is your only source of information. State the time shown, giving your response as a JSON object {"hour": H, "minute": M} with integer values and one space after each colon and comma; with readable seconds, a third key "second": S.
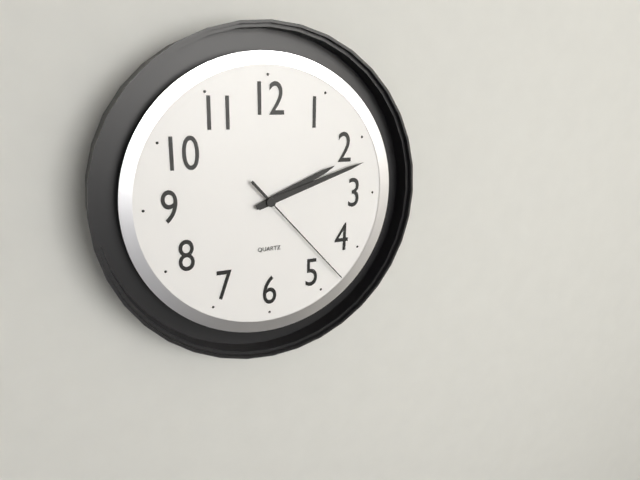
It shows {"hour": 2, "minute": 12, "second": 23}
